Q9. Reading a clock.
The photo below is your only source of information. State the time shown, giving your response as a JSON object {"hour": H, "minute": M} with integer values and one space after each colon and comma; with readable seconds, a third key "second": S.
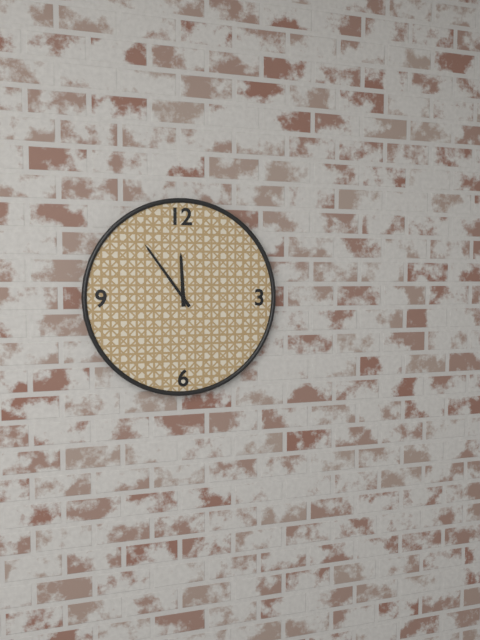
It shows {"hour": 11, "minute": 54}
